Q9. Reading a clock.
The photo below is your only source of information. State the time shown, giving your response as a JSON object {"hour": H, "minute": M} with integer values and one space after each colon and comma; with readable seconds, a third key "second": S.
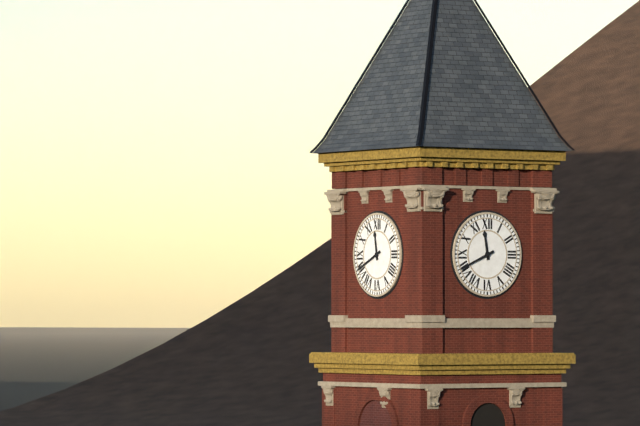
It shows {"hour": 11, "minute": 41}
